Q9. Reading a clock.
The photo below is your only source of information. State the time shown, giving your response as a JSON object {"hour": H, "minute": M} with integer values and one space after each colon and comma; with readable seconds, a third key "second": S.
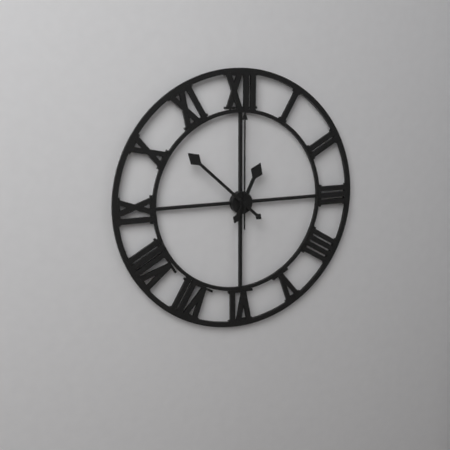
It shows {"hour": 12, "minute": 52, "second": 0}
